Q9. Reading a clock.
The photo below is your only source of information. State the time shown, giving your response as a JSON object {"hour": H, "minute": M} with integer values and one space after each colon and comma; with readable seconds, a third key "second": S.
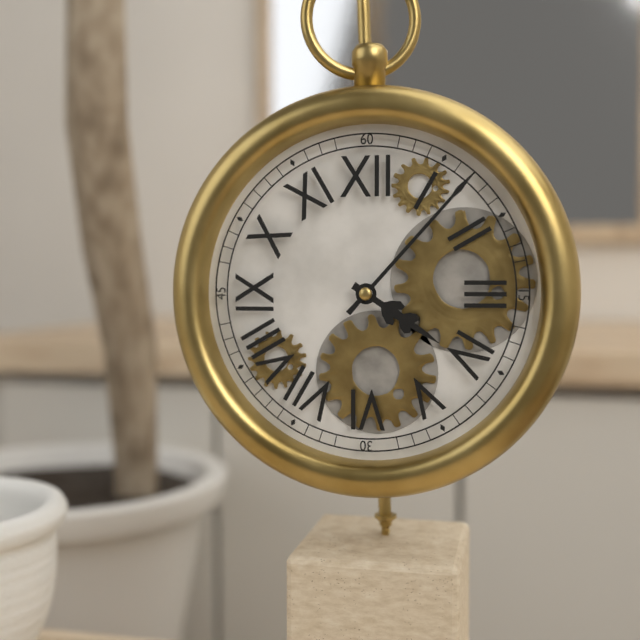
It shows {"hour": 4, "minute": 7}
